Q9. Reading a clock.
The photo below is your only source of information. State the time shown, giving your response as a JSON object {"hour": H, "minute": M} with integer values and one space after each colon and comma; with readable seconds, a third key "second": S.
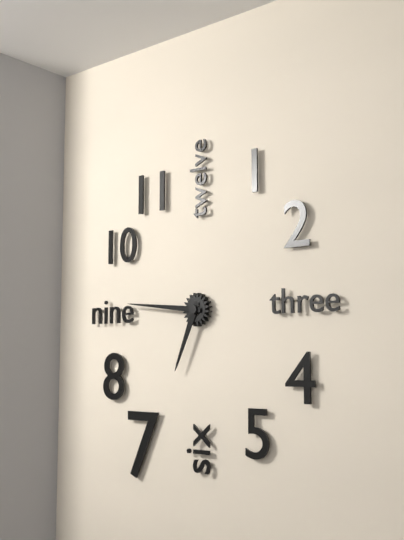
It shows {"hour": 6, "minute": 46}
